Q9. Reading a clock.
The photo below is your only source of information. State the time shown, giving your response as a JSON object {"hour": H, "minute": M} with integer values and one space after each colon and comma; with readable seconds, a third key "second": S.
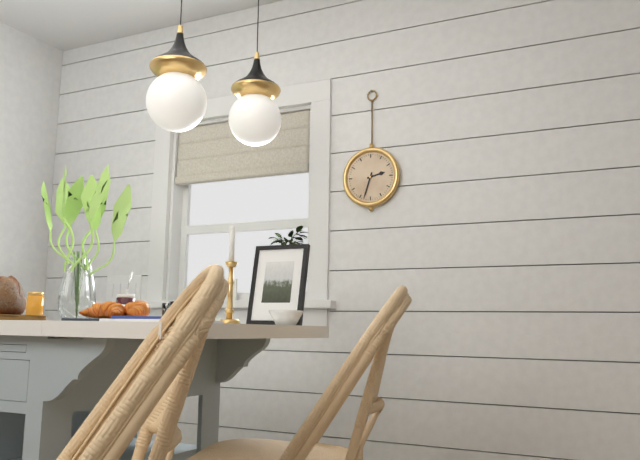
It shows {"hour": 2, "minute": 33}
